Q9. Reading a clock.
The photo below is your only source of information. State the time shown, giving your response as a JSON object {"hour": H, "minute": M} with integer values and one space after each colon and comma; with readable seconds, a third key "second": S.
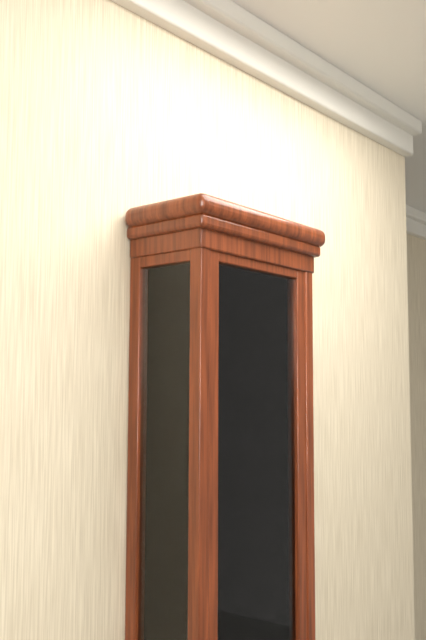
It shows {"hour": 6, "minute": 53}
